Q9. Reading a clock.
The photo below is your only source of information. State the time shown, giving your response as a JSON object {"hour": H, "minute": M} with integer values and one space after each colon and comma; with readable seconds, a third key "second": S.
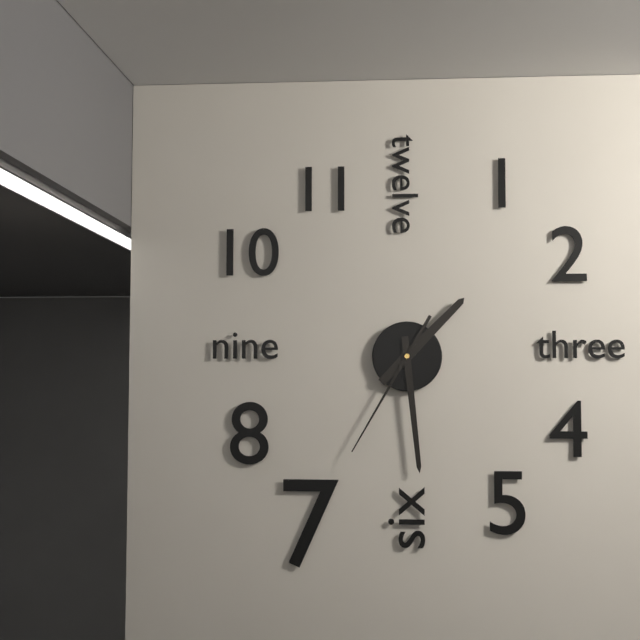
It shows {"hour": 1, "minute": 29, "second": 35}
